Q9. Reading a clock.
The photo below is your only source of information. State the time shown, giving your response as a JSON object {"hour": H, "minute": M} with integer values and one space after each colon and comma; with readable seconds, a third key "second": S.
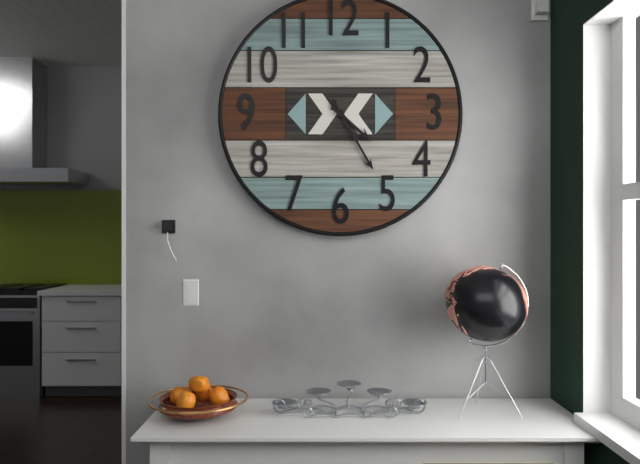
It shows {"hour": 4, "minute": 25}
